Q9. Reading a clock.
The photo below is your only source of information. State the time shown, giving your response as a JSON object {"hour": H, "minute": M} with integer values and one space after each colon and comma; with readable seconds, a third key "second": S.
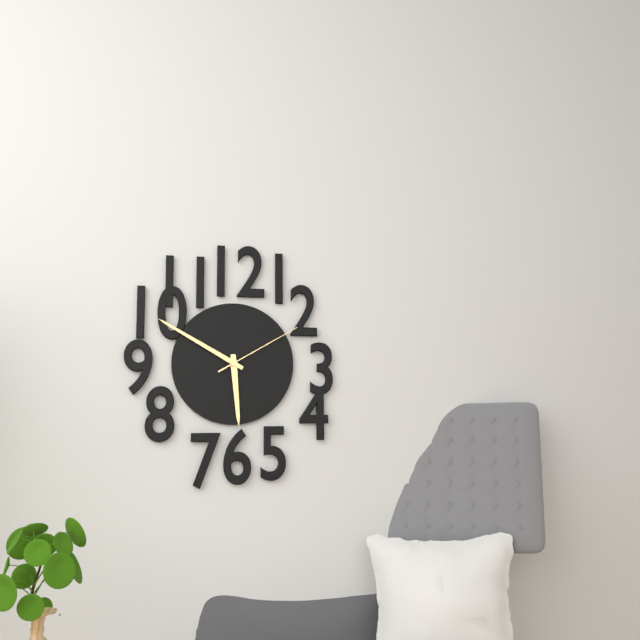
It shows {"hour": 5, "minute": 50, "second": 10}
